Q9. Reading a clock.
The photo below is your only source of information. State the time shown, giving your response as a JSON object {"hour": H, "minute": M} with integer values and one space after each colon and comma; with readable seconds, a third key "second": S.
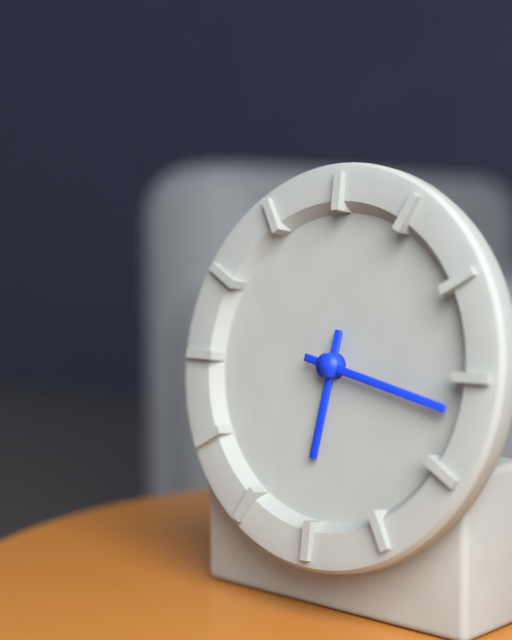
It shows {"hour": 6, "minute": 17}
